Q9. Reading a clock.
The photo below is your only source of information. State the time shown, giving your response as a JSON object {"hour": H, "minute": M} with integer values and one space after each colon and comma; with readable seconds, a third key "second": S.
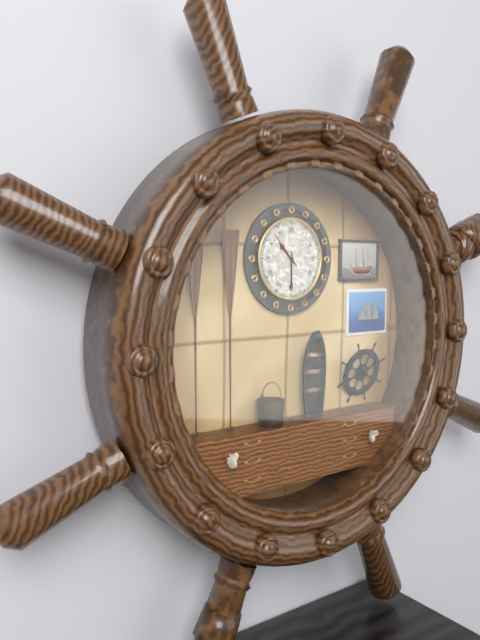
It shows {"hour": 10, "minute": 30}
